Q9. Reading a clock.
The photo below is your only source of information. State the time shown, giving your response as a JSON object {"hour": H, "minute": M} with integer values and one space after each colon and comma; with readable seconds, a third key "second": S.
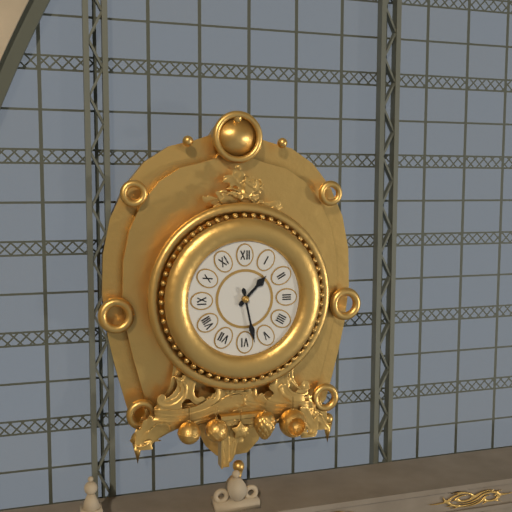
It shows {"hour": 1, "minute": 28}
